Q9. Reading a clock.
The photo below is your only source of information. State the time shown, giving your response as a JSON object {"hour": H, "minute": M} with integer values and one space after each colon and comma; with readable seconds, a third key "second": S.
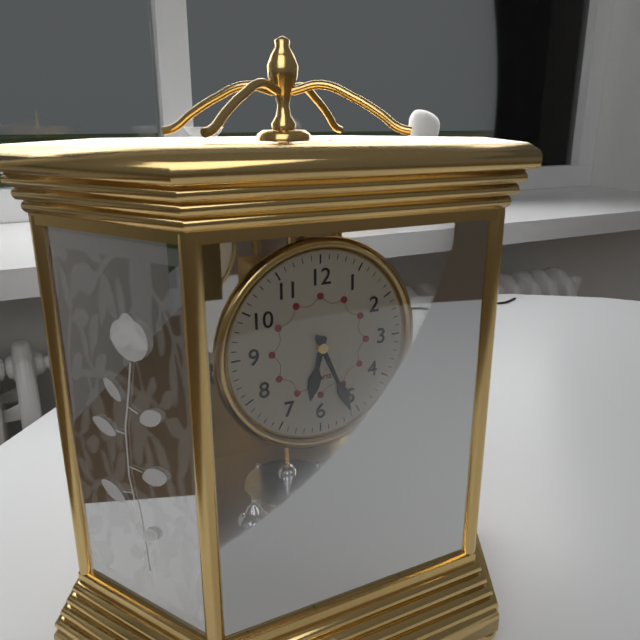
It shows {"hour": 6, "minute": 26}
